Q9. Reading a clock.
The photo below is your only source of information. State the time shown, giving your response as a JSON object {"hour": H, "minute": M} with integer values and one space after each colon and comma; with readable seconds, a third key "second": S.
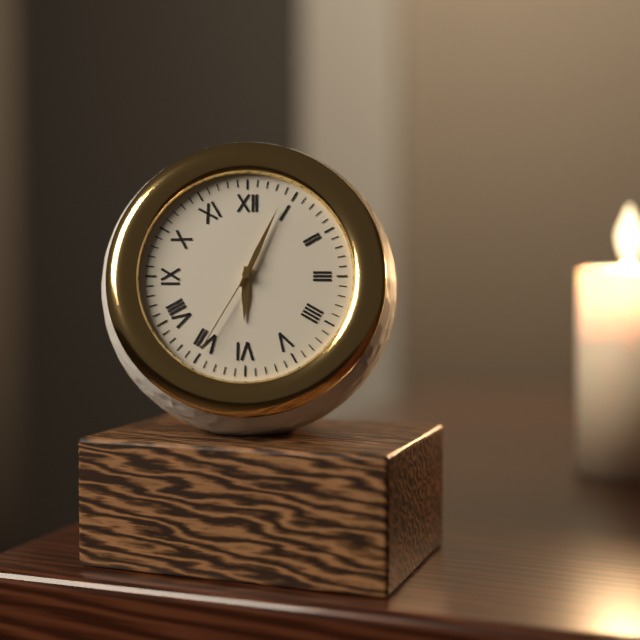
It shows {"hour": 6, "minute": 4, "second": 35}
